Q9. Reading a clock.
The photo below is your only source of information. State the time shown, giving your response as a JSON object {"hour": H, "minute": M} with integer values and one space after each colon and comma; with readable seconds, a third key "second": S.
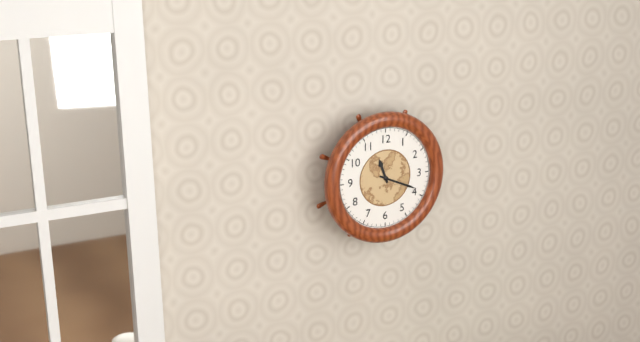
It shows {"hour": 11, "minute": 19}
